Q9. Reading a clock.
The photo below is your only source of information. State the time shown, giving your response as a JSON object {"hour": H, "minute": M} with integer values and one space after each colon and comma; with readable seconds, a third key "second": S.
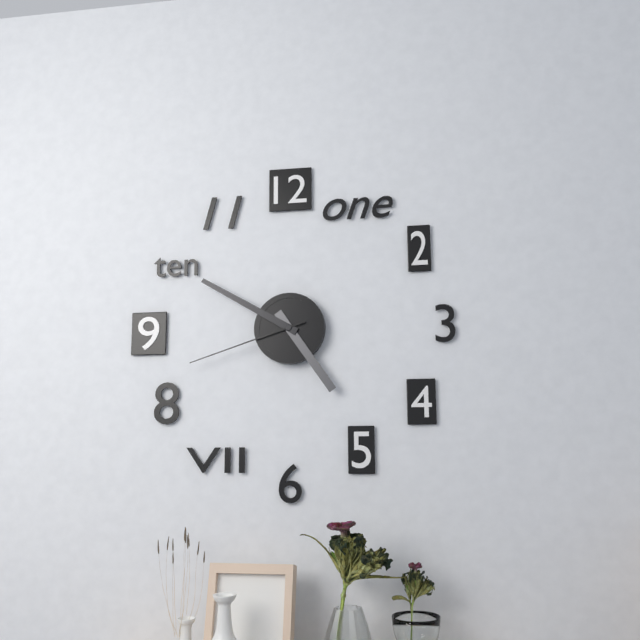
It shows {"hour": 4, "minute": 50, "second": 42}
